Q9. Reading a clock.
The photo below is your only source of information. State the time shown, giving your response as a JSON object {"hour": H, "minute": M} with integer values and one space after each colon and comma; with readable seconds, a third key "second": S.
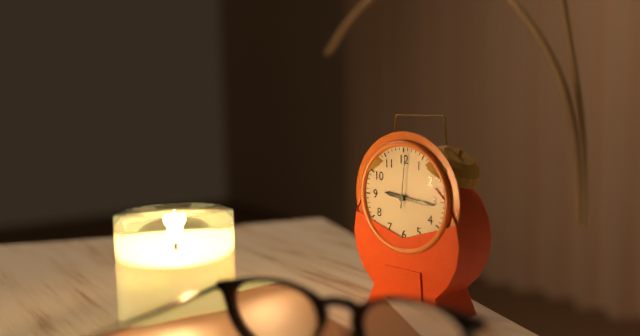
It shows {"hour": 9, "minute": 16, "second": 1}
